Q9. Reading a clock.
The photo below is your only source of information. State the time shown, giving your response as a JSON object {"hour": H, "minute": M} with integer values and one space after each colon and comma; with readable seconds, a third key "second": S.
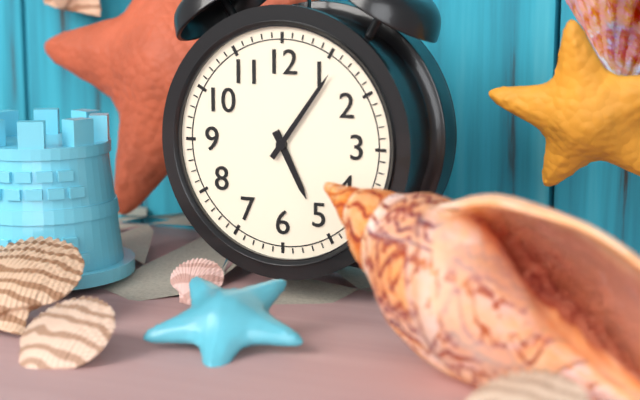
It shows {"hour": 5, "minute": 6}
